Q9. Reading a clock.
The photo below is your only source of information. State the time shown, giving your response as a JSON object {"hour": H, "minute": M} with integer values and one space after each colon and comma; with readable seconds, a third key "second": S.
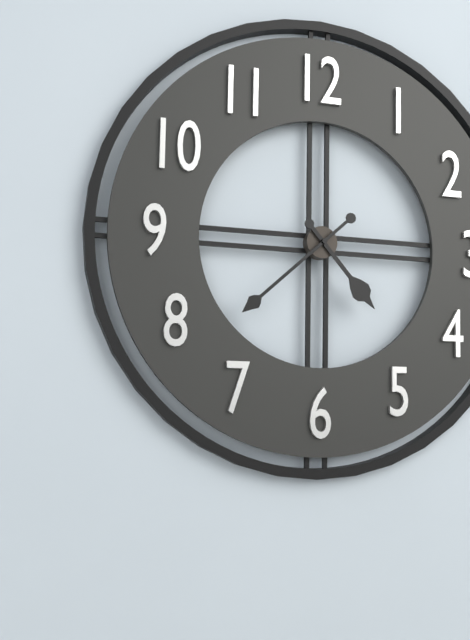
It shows {"hour": 4, "minute": 38}
